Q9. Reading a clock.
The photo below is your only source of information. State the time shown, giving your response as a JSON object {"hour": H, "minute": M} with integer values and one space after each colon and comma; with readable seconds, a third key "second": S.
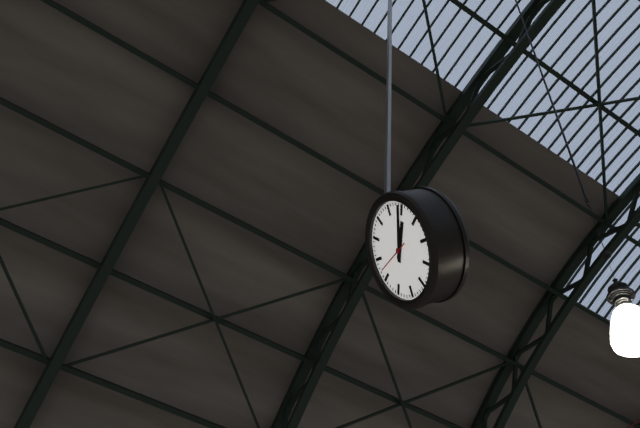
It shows {"hour": 2, "minute": 9}
